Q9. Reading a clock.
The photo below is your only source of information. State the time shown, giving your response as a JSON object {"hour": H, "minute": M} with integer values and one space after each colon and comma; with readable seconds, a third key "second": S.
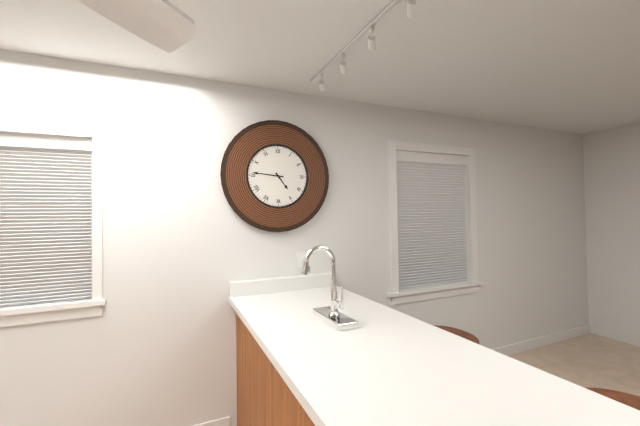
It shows {"hour": 4, "minute": 46}
